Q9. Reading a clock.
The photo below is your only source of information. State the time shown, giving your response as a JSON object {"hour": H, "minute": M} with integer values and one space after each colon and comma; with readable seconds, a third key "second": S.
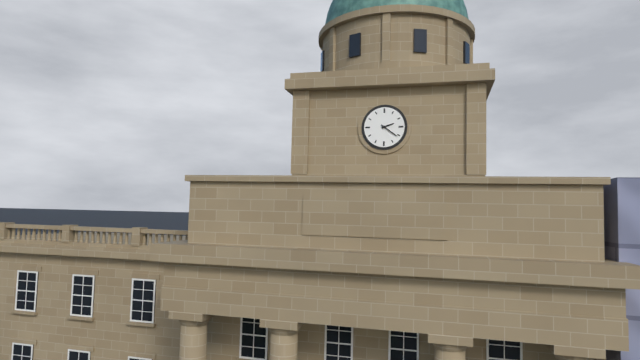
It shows {"hour": 2, "minute": 21}
